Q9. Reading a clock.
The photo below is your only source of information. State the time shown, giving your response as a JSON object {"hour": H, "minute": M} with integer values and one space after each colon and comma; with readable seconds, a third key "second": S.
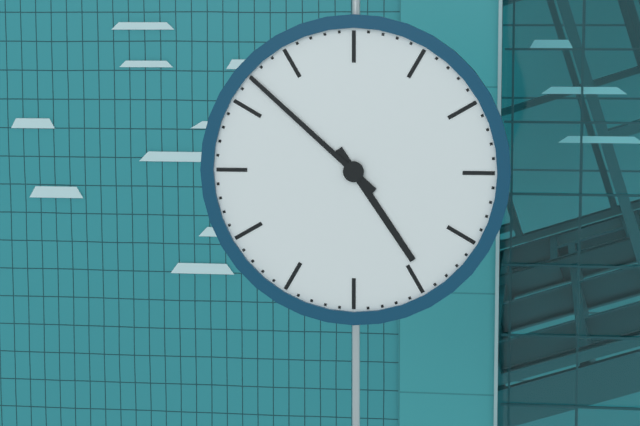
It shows {"hour": 4, "minute": 52}
